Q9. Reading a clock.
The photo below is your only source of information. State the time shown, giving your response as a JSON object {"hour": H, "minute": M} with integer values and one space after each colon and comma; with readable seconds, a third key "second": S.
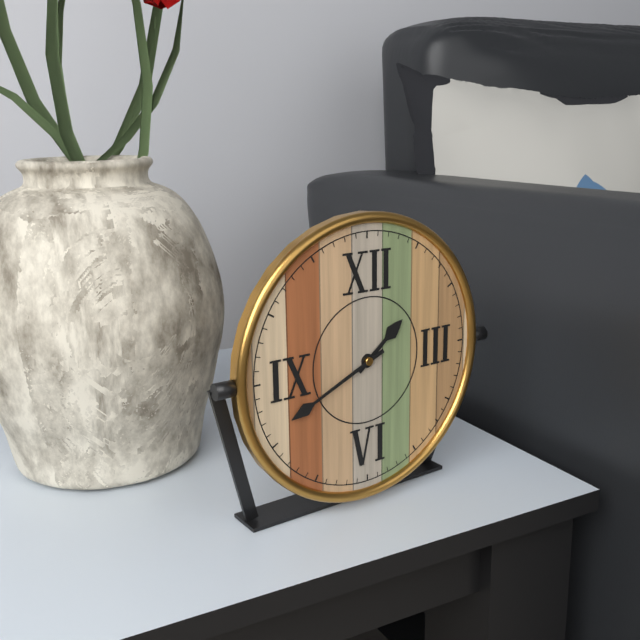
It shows {"hour": 1, "minute": 41}
